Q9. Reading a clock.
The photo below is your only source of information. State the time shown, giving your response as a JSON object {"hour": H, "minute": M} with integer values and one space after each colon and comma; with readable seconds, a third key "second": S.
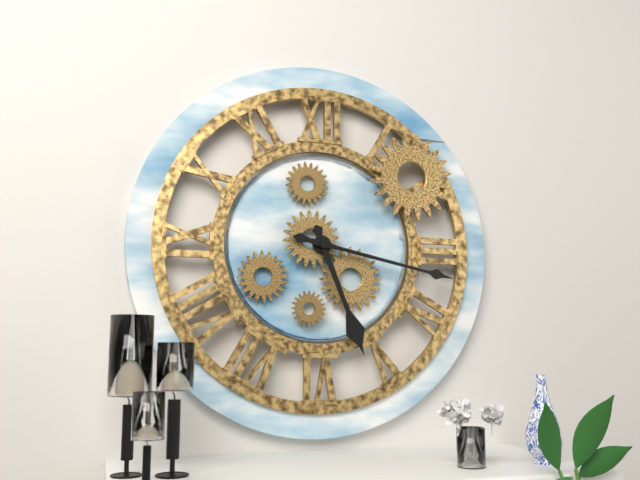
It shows {"hour": 5, "minute": 17}
